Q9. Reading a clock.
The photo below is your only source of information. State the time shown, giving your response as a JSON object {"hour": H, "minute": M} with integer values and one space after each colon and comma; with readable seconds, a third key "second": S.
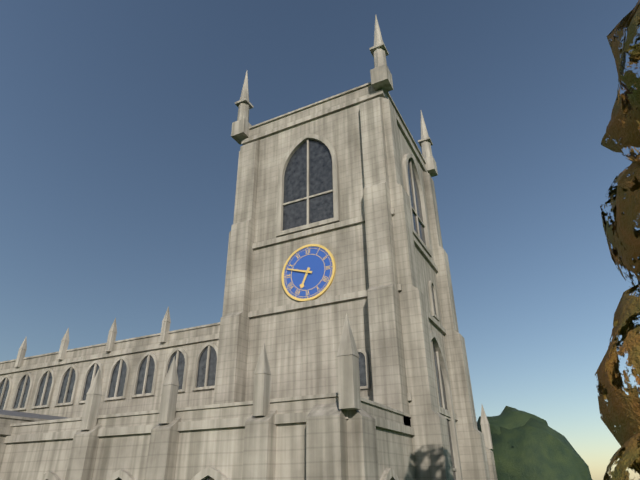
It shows {"hour": 6, "minute": 48}
